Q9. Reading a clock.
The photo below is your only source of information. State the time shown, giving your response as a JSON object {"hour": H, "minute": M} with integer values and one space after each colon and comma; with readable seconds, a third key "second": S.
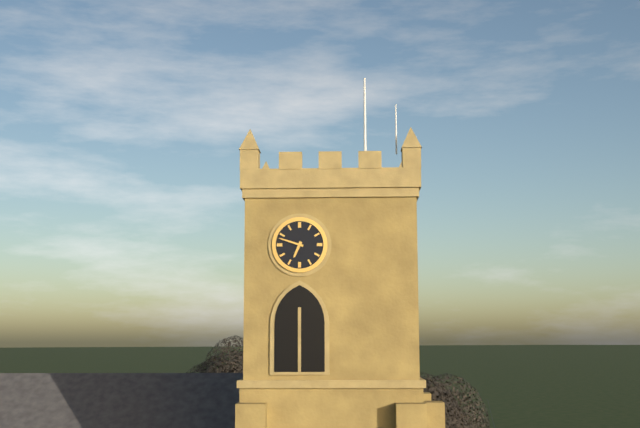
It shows {"hour": 6, "minute": 48}
